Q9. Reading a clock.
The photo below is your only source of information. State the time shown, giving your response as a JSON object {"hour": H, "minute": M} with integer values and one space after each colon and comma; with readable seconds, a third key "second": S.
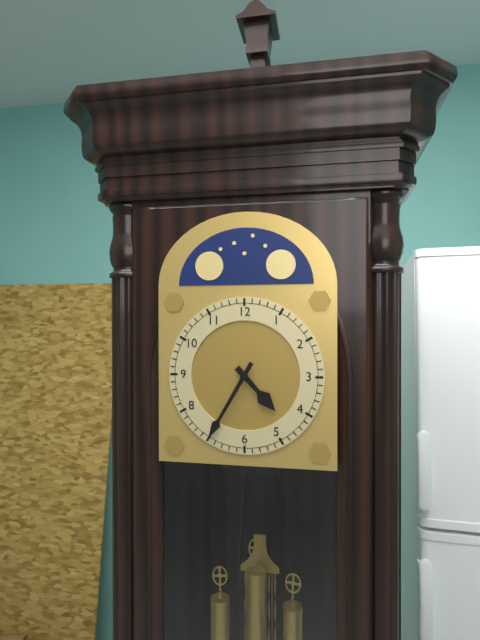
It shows {"hour": 4, "minute": 35}
